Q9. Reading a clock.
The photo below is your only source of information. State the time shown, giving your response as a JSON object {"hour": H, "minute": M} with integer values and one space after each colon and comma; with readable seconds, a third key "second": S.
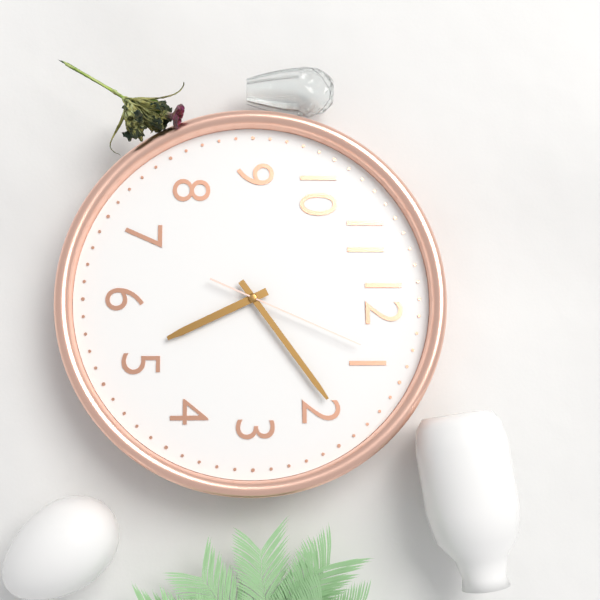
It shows {"hour": 5, "minute": 9, "second": 4}
